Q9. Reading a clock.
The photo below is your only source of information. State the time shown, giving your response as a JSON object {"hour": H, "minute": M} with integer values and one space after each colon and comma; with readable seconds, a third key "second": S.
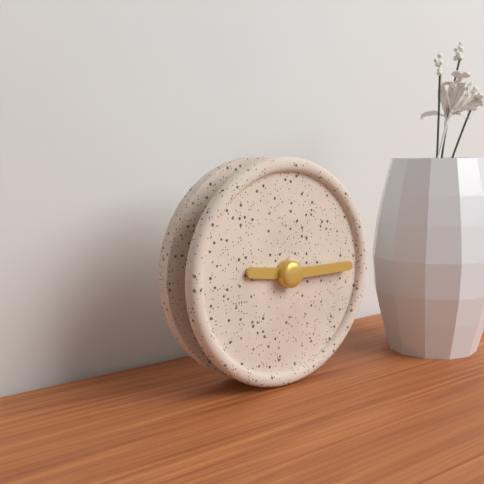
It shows {"hour": 9, "minute": 15}
